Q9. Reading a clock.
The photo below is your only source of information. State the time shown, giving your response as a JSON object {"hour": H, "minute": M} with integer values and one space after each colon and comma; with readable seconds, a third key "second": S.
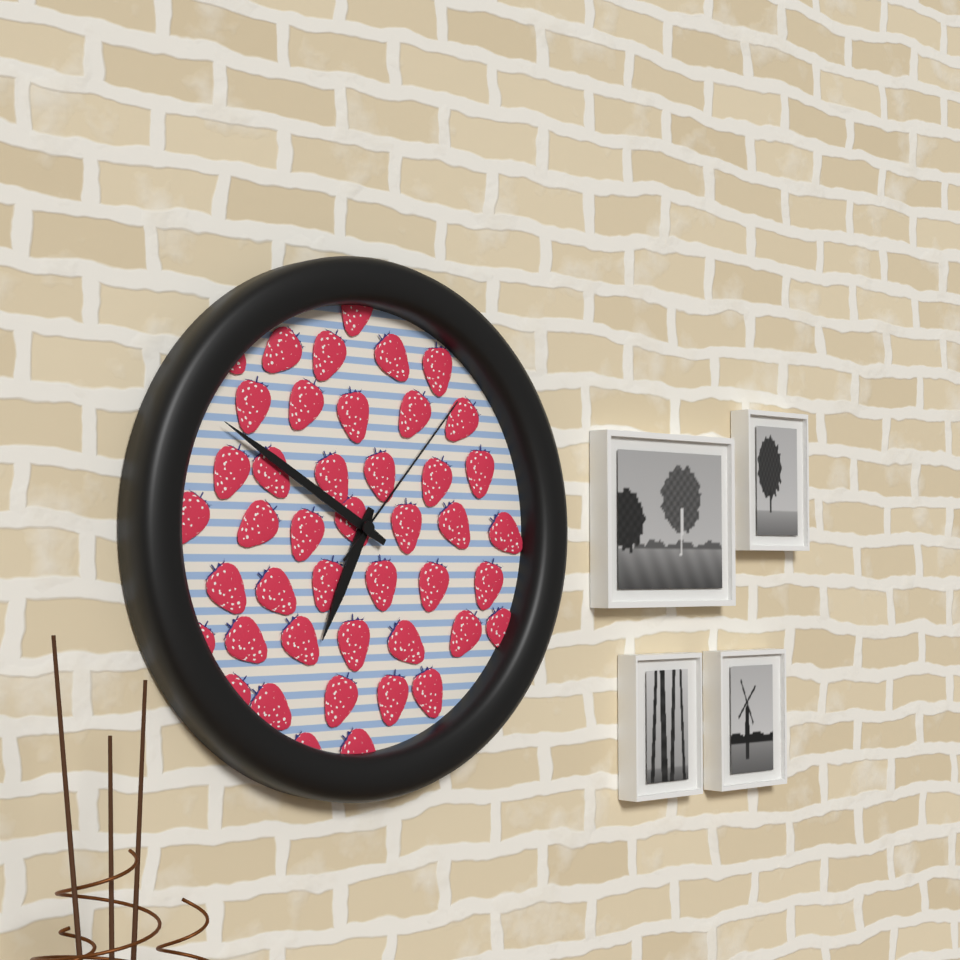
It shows {"hour": 6, "minute": 50, "second": 7}
